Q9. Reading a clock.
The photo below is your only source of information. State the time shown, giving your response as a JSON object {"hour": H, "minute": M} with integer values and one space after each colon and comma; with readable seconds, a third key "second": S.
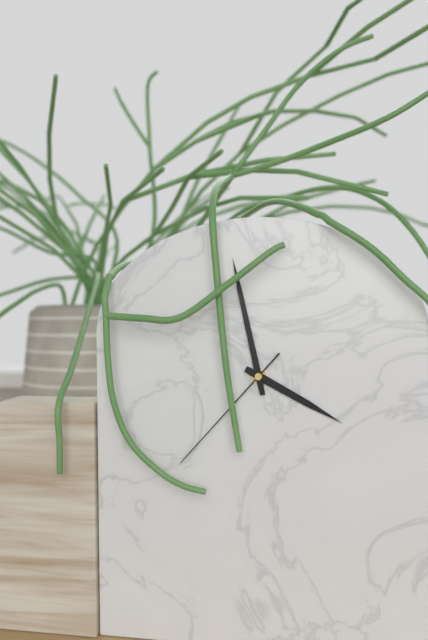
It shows {"hour": 3, "minute": 58, "second": 37}
